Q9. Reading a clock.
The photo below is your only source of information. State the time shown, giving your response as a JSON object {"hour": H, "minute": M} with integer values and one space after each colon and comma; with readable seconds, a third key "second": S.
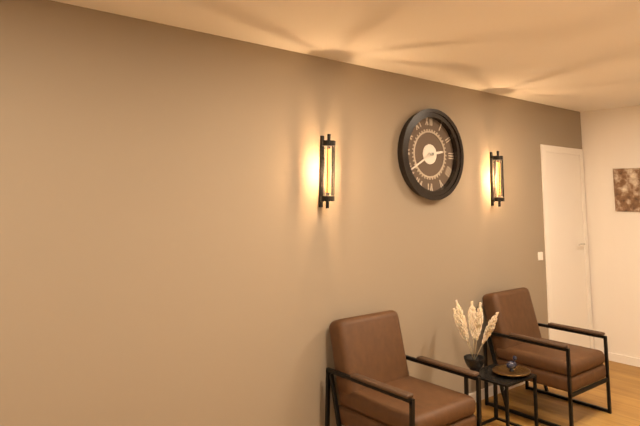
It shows {"hour": 2, "minute": 40}
